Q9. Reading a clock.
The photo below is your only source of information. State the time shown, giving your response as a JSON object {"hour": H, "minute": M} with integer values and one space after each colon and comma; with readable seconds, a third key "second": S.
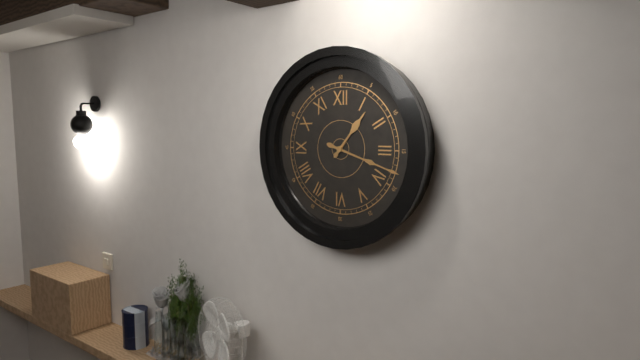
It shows {"hour": 1, "minute": 18}
